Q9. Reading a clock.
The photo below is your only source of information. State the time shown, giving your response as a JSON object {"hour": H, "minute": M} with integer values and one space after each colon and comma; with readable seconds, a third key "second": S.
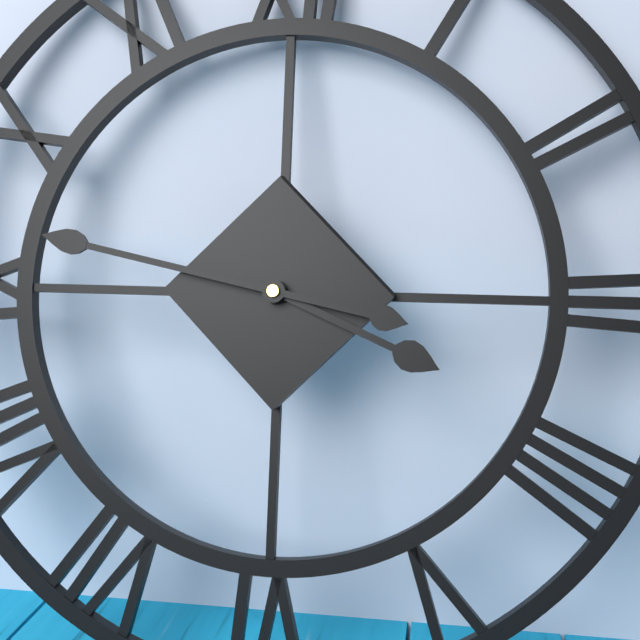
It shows {"hour": 3, "minute": 47}
